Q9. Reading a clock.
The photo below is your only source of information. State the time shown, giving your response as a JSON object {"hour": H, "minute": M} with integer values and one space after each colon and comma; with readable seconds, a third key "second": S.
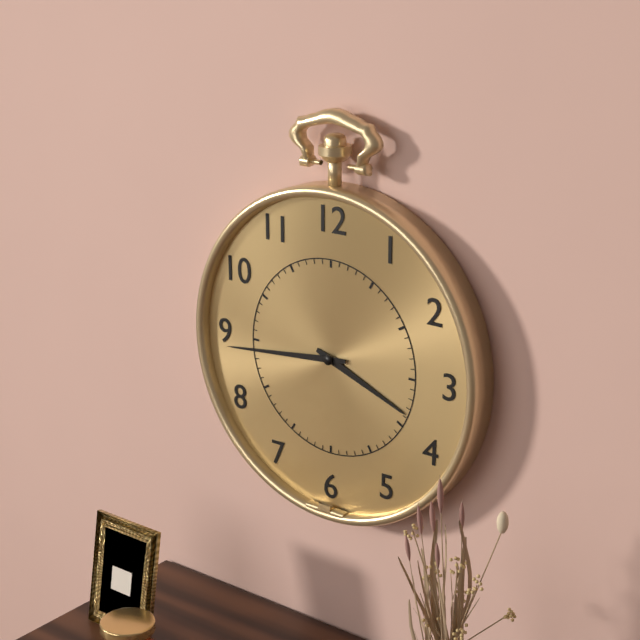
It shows {"hour": 3, "minute": 44}
